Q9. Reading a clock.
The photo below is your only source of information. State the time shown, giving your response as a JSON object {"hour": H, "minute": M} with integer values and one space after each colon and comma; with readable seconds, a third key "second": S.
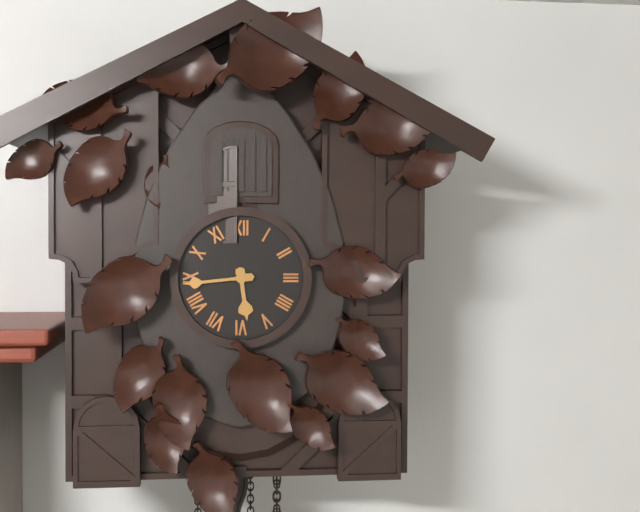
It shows {"hour": 5, "minute": 44}
